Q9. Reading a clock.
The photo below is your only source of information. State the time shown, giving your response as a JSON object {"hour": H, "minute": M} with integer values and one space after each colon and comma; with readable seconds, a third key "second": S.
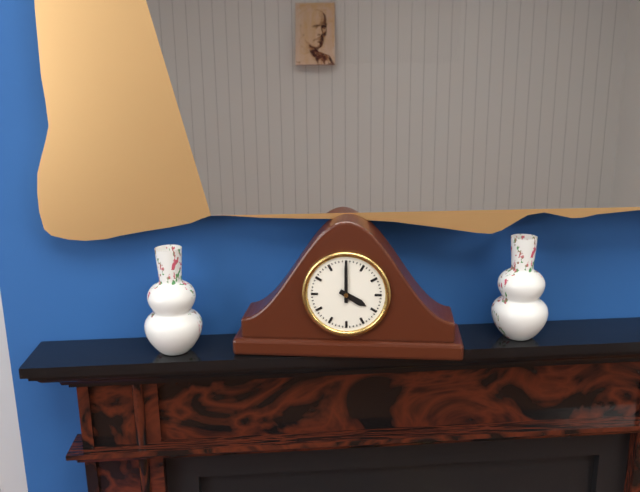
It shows {"hour": 4, "minute": 0}
